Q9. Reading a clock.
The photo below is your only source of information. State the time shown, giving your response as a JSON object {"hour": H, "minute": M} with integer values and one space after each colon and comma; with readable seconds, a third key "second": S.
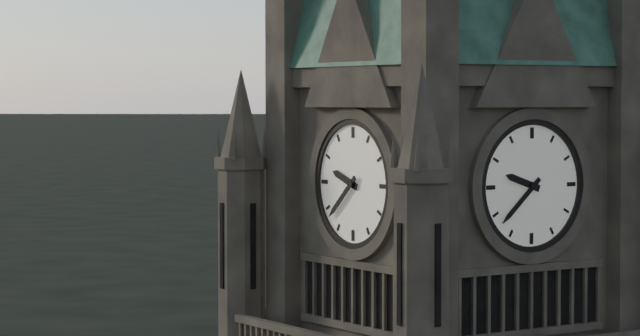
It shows {"hour": 9, "minute": 38}
